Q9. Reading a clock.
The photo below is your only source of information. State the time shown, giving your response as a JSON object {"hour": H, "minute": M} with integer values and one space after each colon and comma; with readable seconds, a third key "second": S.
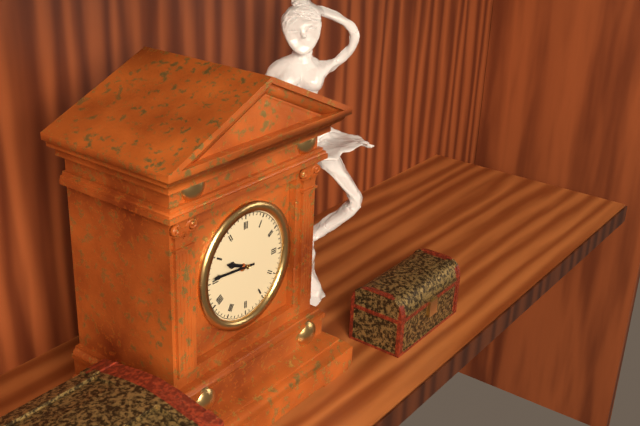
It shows {"hour": 9, "minute": 46}
